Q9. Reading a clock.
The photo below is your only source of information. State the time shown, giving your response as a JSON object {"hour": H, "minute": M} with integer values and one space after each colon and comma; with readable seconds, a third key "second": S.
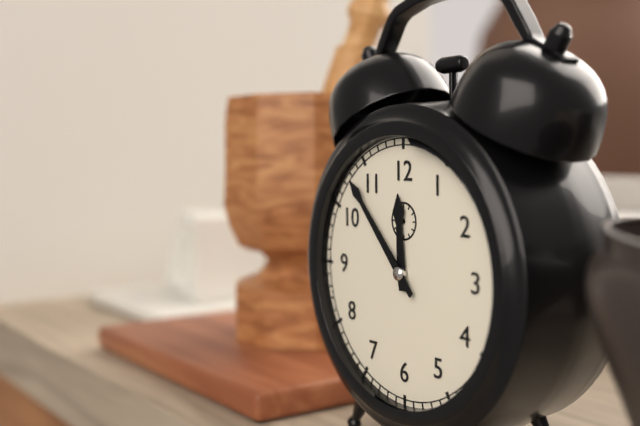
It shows {"hour": 11, "minute": 53}
